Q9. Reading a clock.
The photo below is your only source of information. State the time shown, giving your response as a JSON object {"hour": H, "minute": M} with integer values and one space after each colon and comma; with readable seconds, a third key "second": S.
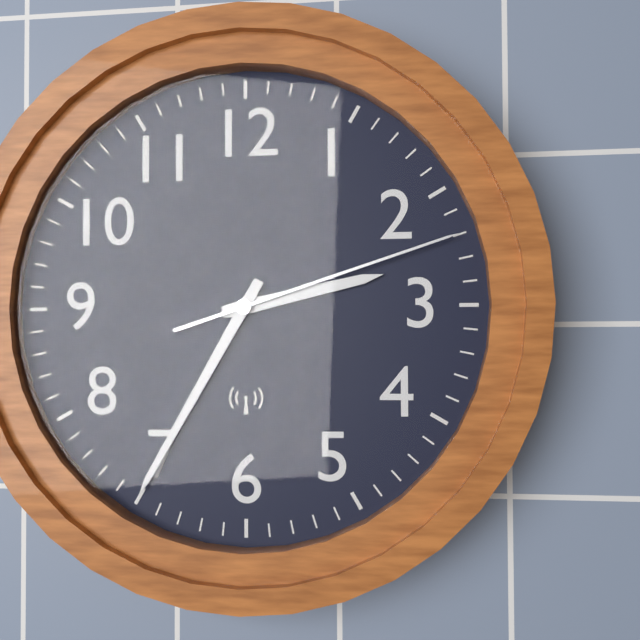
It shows {"hour": 2, "minute": 35, "second": 12}
